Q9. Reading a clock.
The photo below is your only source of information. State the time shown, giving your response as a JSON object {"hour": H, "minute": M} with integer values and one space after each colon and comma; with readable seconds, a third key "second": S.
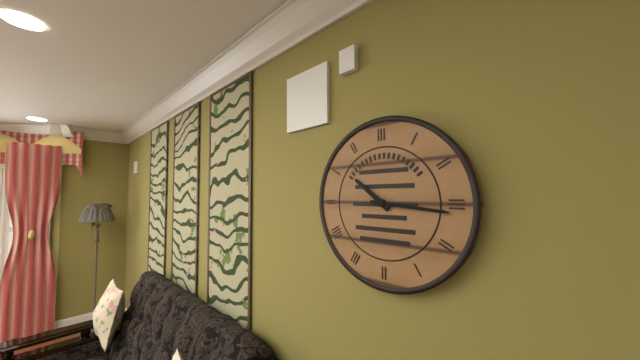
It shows {"hour": 10, "minute": 16}
